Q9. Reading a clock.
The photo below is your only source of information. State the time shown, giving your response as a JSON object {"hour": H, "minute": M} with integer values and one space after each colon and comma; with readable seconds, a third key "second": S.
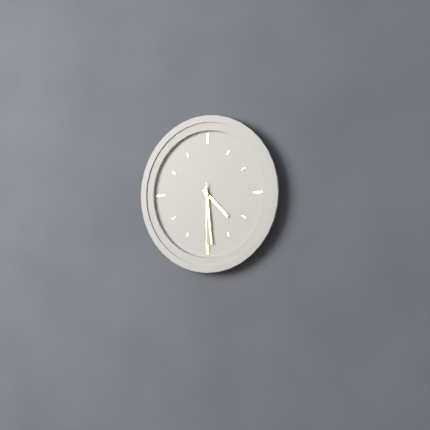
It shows {"hour": 4, "minute": 29, "second": 30}
